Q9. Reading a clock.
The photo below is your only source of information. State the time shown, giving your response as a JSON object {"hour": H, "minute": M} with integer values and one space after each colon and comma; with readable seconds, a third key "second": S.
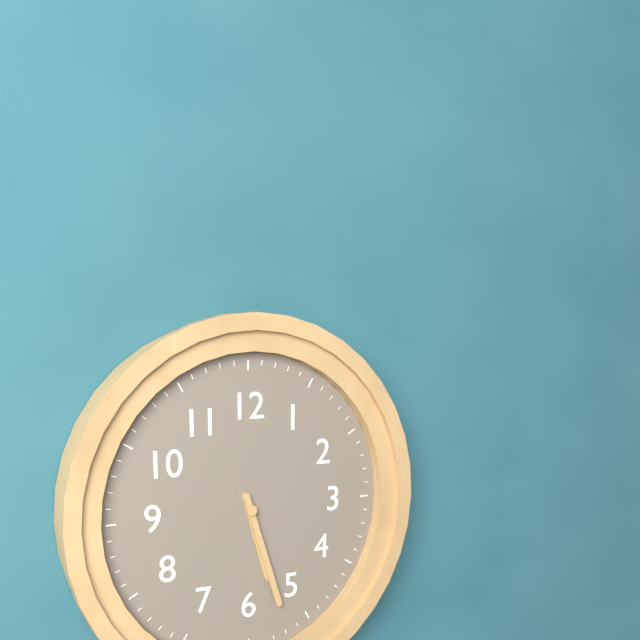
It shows {"hour": 5, "minute": 27}
